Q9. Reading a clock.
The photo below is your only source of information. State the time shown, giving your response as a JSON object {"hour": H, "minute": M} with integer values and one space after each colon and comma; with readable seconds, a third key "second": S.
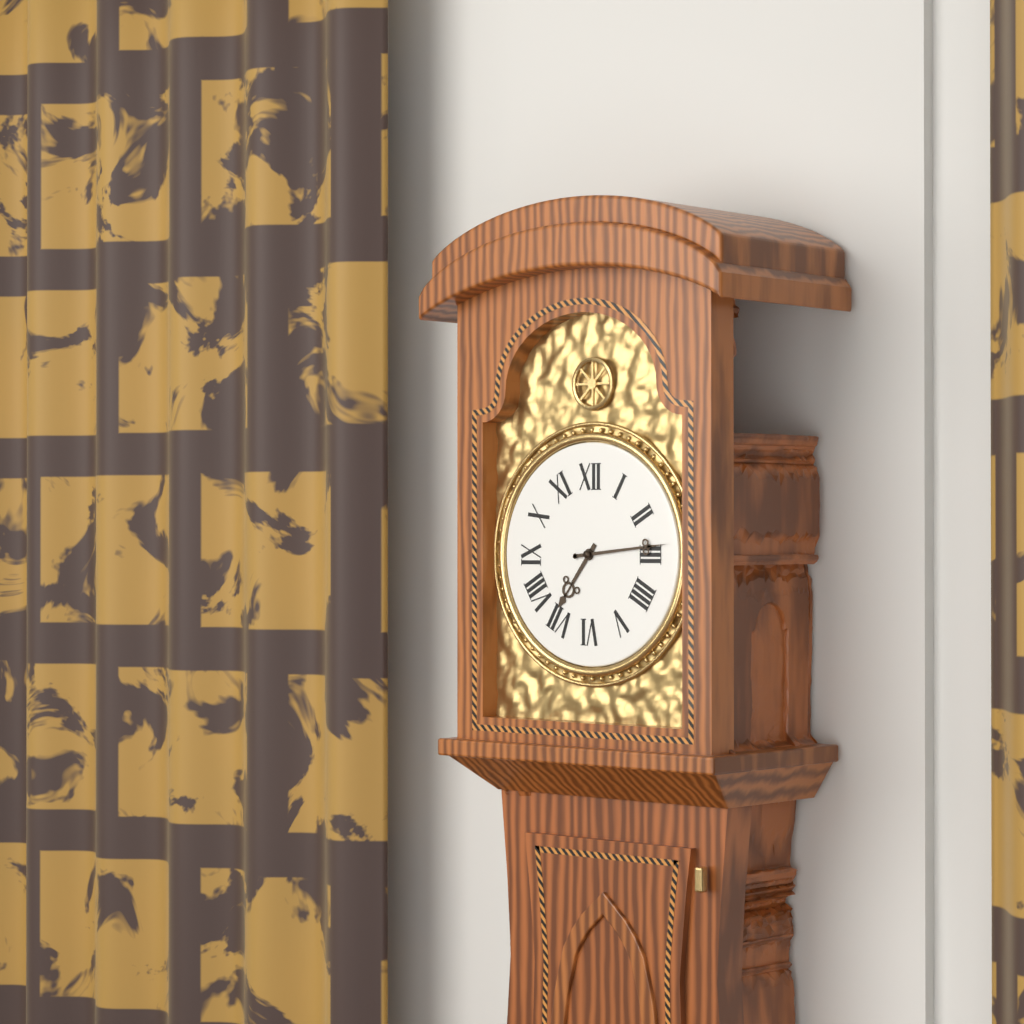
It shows {"hour": 7, "minute": 14}
